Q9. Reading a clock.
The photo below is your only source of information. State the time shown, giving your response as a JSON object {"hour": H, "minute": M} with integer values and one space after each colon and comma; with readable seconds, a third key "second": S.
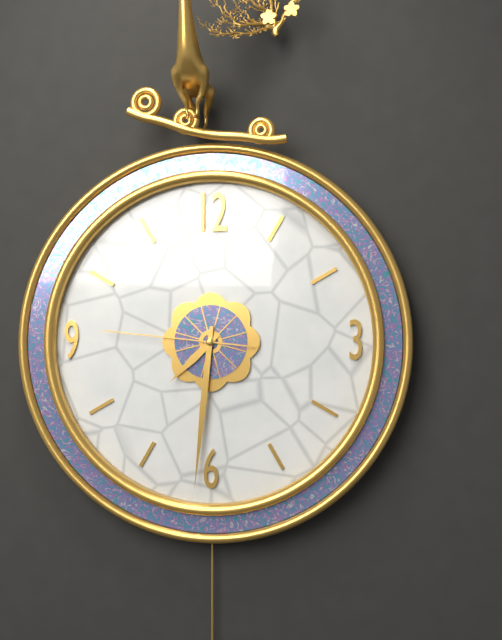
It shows {"hour": 7, "minute": 31, "second": 46}
